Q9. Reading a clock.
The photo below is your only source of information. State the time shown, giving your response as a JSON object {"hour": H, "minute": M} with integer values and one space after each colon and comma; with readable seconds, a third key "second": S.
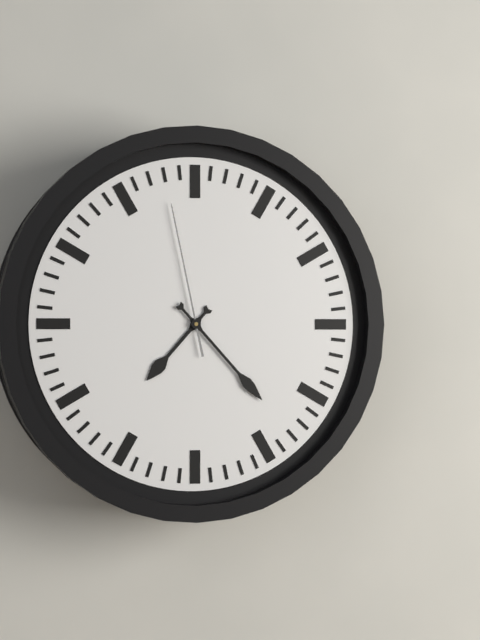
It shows {"hour": 7, "minute": 23, "second": 58}
